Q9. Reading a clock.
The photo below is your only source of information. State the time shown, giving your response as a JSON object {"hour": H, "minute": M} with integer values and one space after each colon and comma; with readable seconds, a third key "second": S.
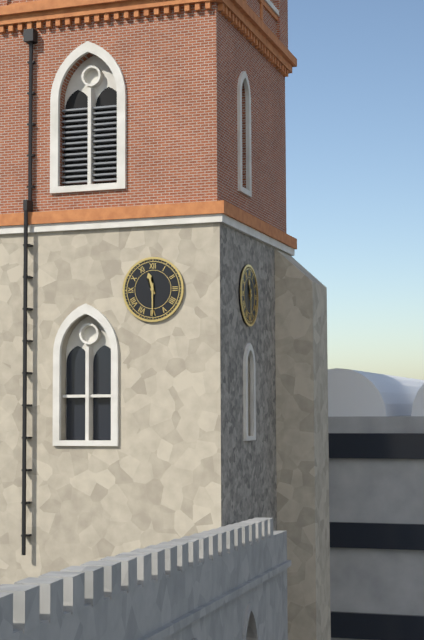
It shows {"hour": 11, "minute": 30}
